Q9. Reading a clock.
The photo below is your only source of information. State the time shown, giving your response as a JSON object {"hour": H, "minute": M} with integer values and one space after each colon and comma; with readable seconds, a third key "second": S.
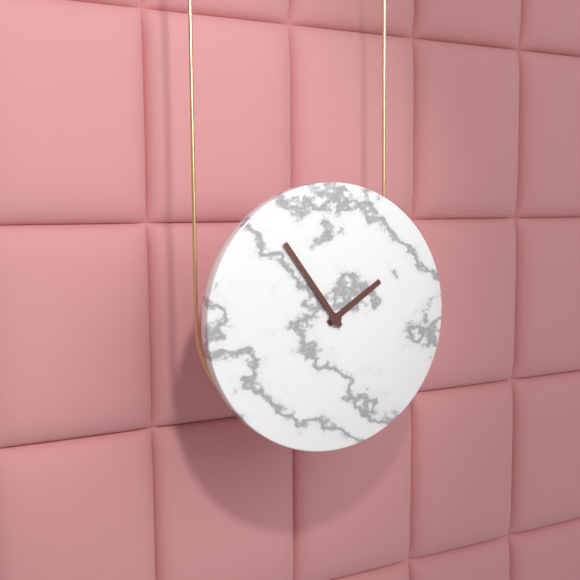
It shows {"hour": 1, "minute": 54}
